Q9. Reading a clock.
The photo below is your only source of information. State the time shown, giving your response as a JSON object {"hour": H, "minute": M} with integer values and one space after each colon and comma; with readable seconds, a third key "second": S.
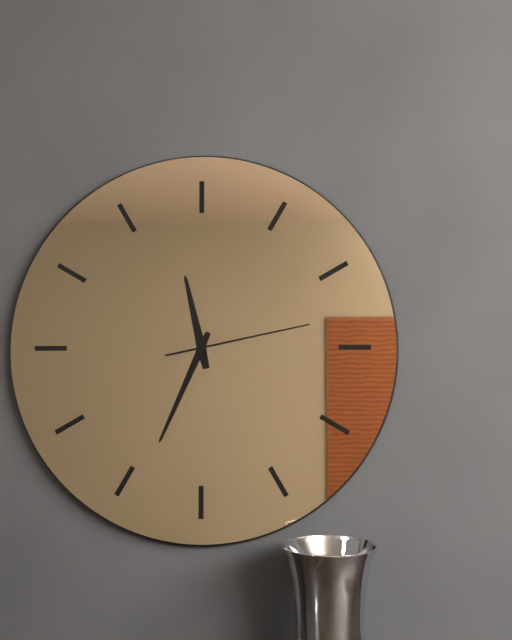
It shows {"hour": 11, "minute": 34, "second": 13}
